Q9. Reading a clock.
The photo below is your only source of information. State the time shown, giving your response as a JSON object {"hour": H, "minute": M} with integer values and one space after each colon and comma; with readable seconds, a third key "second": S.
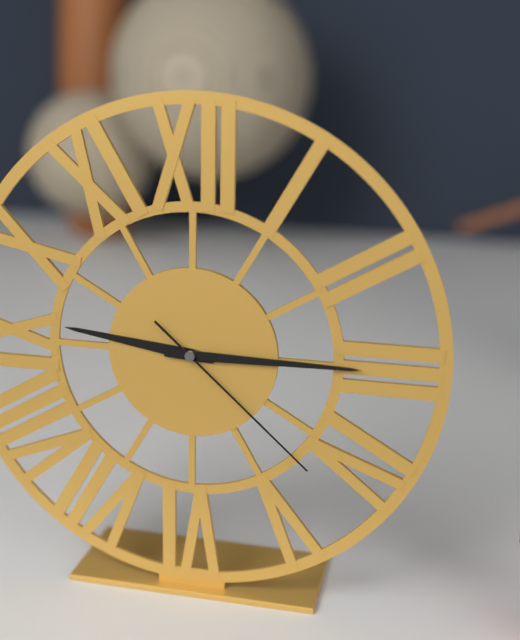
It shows {"hour": 9, "minute": 15, "second": 22}
